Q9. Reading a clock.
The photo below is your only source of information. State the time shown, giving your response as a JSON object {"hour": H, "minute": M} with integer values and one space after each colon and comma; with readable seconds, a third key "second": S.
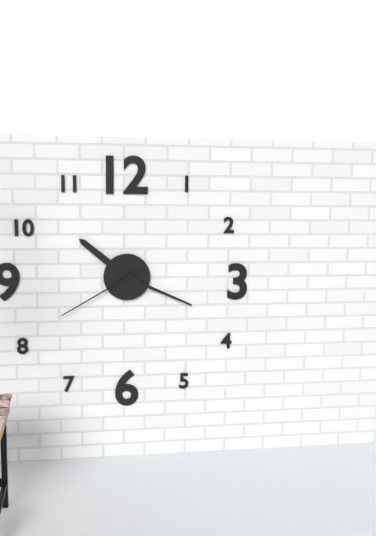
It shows {"hour": 10, "minute": 19, "second": 40}
